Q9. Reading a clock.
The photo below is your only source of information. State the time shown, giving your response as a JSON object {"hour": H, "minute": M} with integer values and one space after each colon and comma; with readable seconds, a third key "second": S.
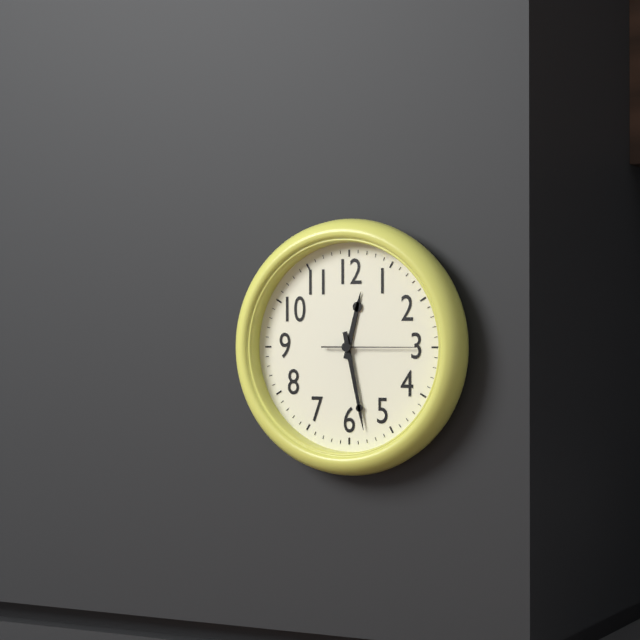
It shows {"hour": 12, "minute": 28, "second": 15}
